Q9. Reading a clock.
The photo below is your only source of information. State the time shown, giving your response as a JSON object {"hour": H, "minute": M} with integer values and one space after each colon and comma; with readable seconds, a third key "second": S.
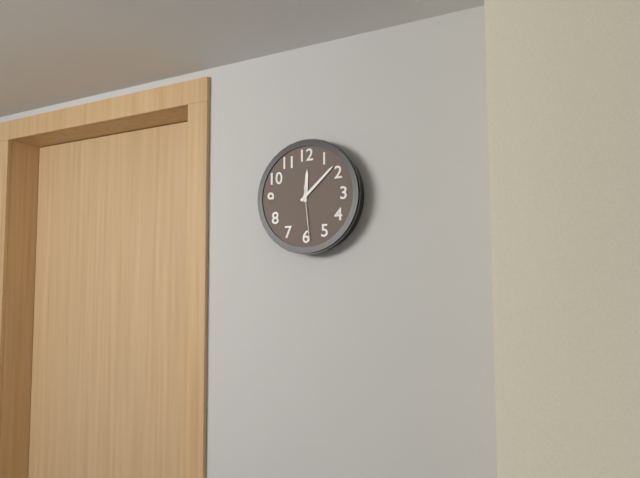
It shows {"hour": 12, "minute": 8, "second": 29}
